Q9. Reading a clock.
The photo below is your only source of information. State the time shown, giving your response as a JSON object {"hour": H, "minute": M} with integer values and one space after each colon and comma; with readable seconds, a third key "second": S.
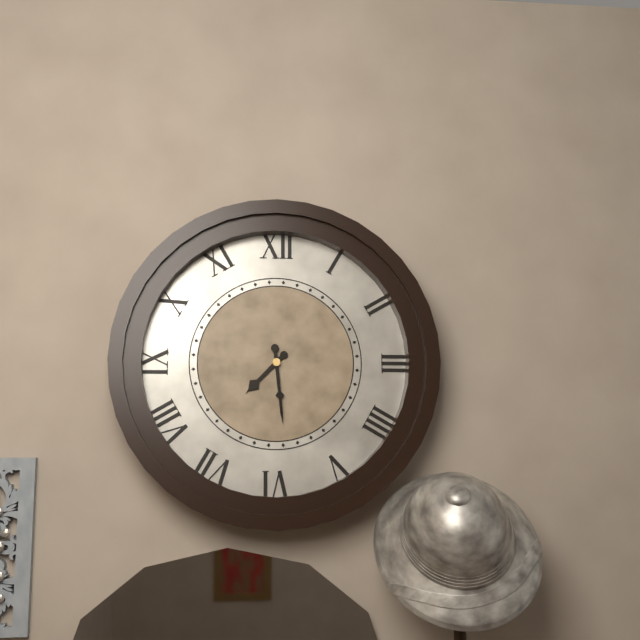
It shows {"hour": 7, "minute": 29}
